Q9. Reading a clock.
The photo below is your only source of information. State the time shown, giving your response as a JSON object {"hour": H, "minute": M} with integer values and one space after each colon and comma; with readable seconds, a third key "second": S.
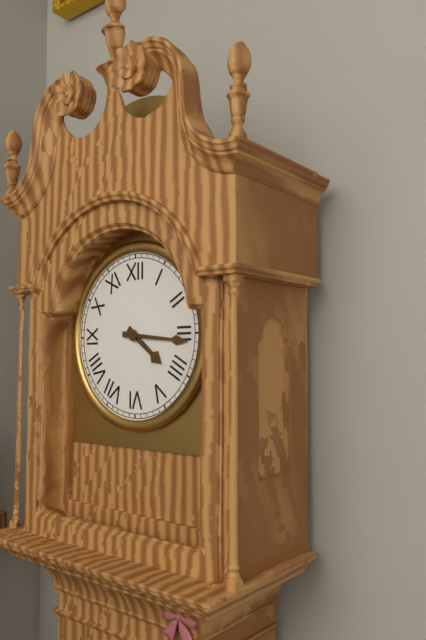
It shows {"hour": 4, "minute": 16}
